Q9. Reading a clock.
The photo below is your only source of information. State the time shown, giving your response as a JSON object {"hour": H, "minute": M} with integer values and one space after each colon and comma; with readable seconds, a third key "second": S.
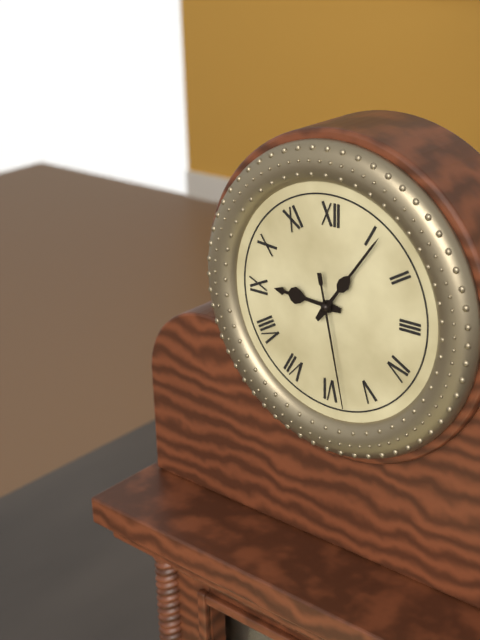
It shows {"hour": 9, "minute": 6, "second": 28}
